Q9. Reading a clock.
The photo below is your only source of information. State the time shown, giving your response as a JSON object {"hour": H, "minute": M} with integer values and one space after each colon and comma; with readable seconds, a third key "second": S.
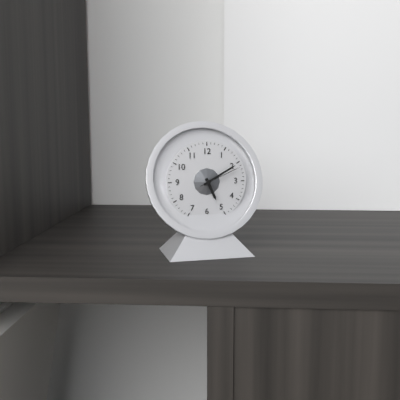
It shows {"hour": 5, "minute": 10}
